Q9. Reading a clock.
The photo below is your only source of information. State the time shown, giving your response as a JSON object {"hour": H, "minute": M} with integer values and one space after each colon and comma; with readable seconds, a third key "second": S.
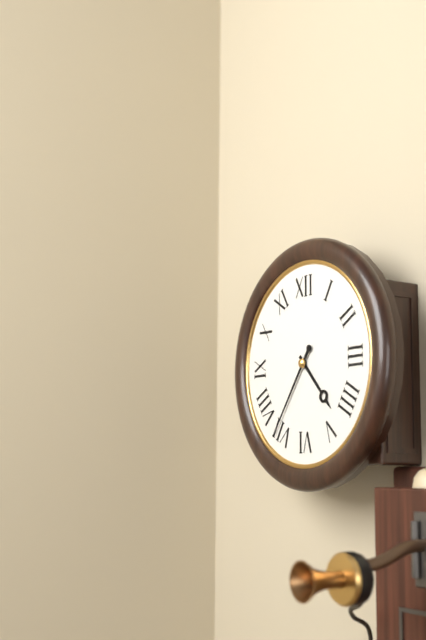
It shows {"hour": 4, "minute": 36}
